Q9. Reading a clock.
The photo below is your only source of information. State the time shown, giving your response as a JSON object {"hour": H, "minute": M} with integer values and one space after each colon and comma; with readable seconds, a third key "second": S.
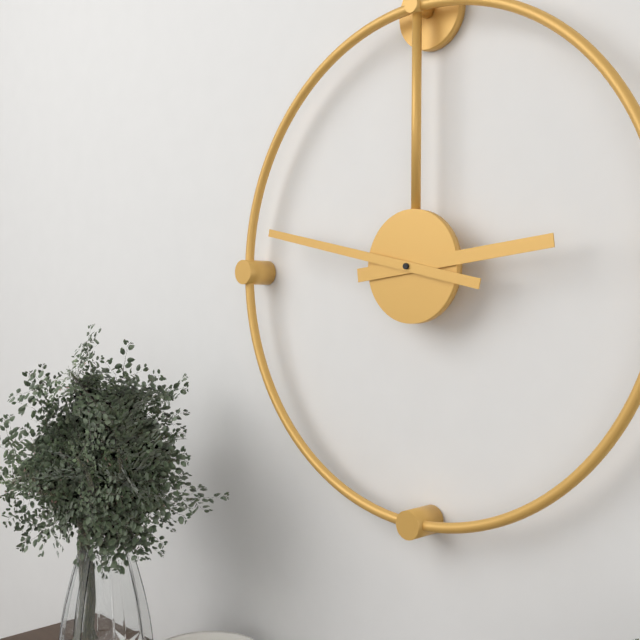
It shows {"hour": 2, "minute": 47}
